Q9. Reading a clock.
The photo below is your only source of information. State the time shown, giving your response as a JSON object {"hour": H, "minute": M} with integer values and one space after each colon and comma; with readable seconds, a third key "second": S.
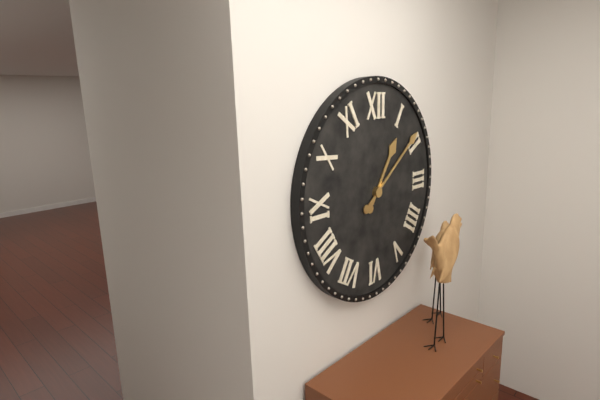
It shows {"hour": 1, "minute": 9}
